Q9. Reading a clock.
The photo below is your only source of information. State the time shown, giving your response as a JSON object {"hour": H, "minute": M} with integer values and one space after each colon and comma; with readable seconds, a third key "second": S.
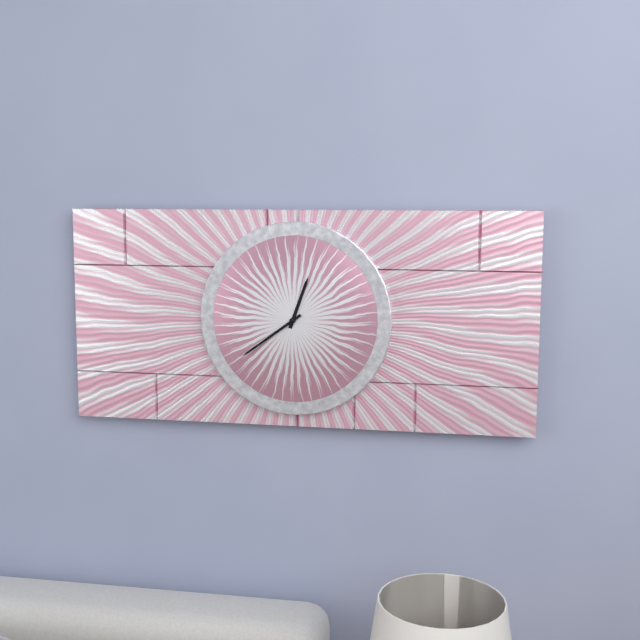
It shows {"hour": 12, "minute": 39}
